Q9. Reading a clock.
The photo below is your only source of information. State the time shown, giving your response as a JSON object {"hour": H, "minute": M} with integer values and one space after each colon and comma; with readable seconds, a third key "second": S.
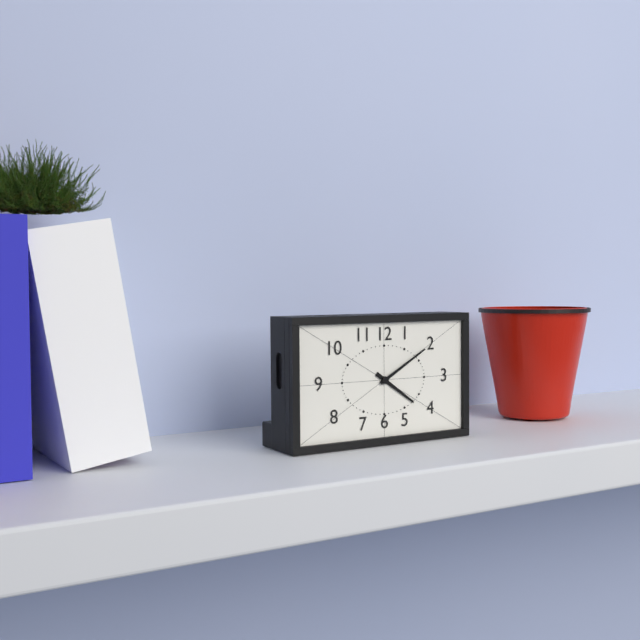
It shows {"hour": 4, "minute": 10}
